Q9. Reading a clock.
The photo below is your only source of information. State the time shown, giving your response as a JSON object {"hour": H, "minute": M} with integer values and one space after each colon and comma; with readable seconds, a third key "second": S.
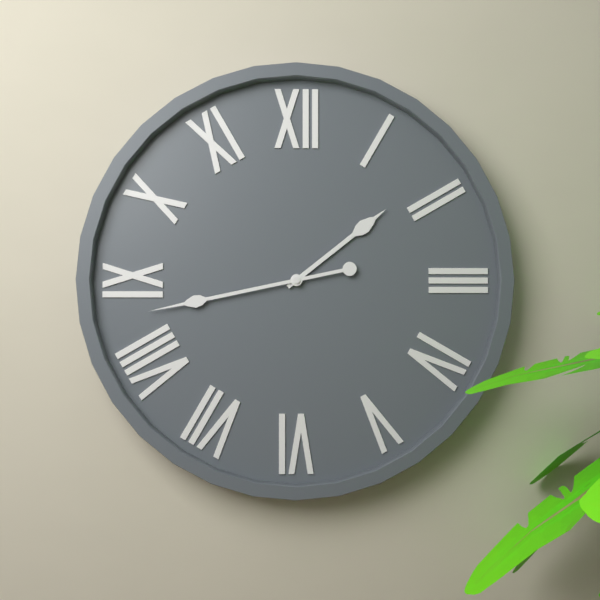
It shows {"hour": 1, "minute": 43}
